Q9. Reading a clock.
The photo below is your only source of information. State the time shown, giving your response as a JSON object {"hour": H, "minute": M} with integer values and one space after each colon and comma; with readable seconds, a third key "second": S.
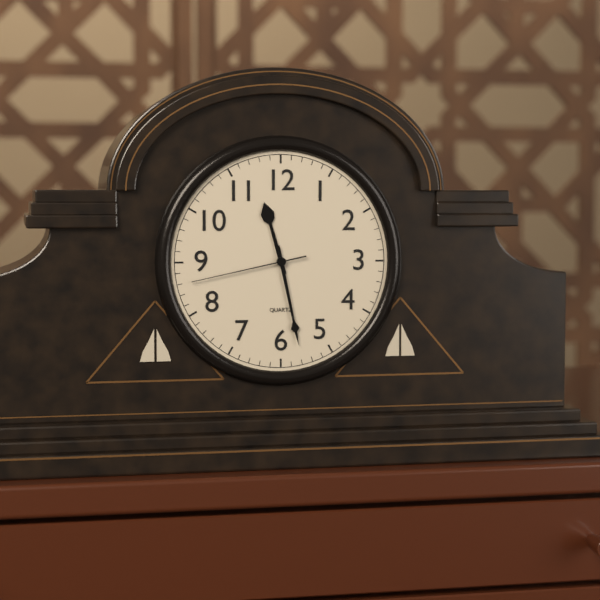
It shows {"hour": 11, "minute": 28, "second": 43}
